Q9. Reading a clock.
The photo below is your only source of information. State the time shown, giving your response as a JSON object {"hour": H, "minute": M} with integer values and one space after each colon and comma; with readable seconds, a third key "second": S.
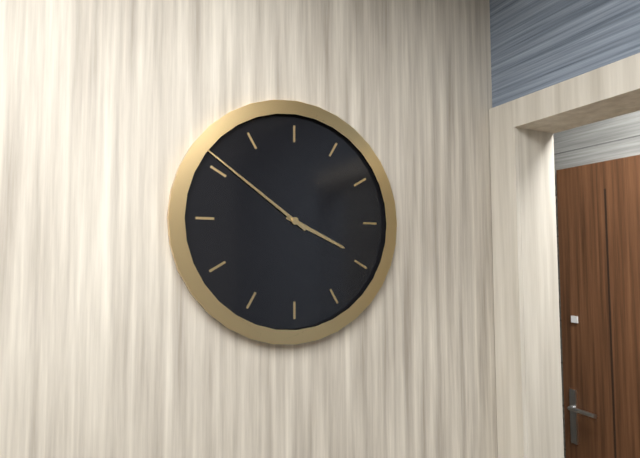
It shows {"hour": 3, "minute": 51}
